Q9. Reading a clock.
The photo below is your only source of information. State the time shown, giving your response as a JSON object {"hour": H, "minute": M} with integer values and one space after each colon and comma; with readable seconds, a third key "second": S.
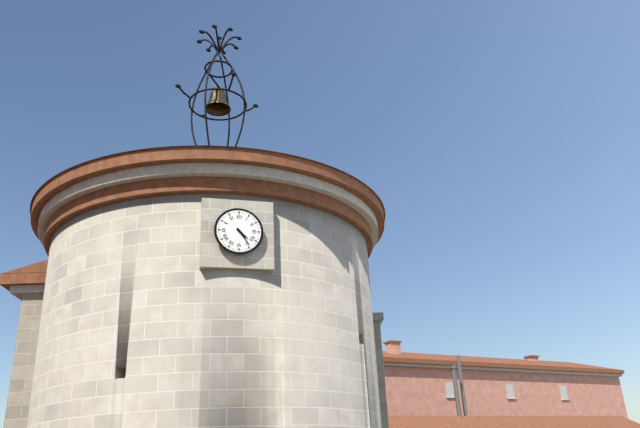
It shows {"hour": 4, "minute": 24}
